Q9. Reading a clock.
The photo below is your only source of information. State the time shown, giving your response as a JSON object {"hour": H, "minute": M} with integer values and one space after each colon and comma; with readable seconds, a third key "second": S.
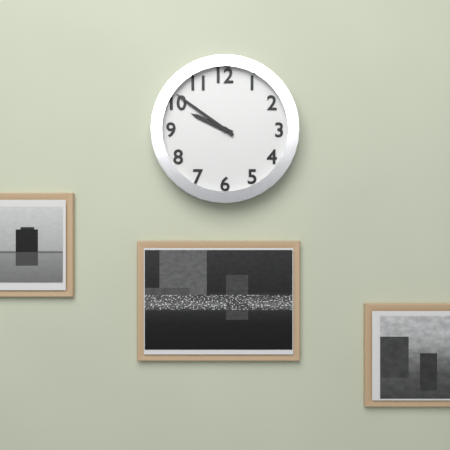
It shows {"hour": 9, "minute": 51}
